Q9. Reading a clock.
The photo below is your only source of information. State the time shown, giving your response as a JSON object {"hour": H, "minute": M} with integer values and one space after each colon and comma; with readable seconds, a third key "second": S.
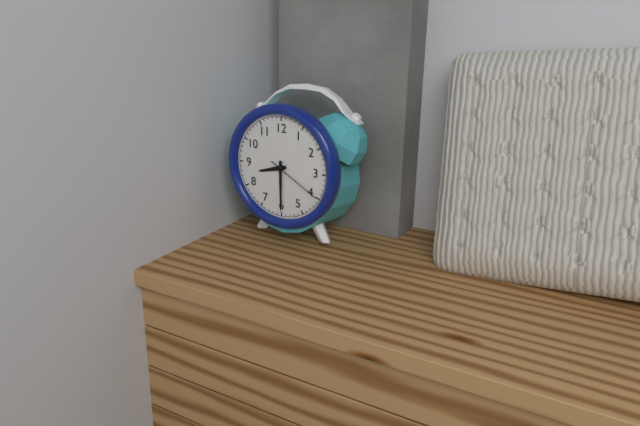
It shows {"hour": 8, "minute": 30, "second": 20}
